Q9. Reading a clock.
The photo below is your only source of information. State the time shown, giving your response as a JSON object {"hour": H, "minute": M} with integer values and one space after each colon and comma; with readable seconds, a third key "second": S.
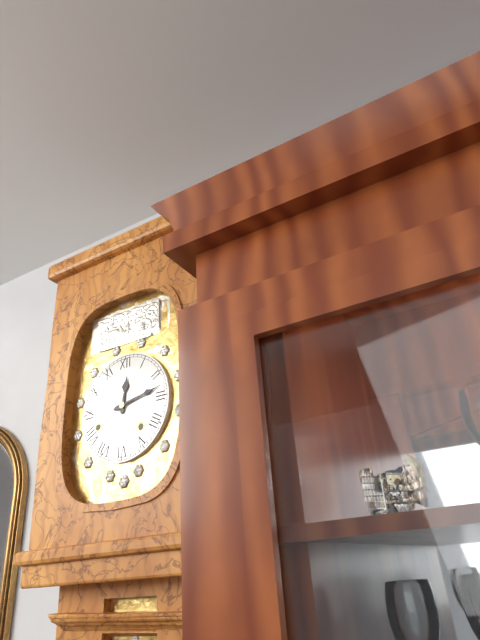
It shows {"hour": 12, "minute": 13}
